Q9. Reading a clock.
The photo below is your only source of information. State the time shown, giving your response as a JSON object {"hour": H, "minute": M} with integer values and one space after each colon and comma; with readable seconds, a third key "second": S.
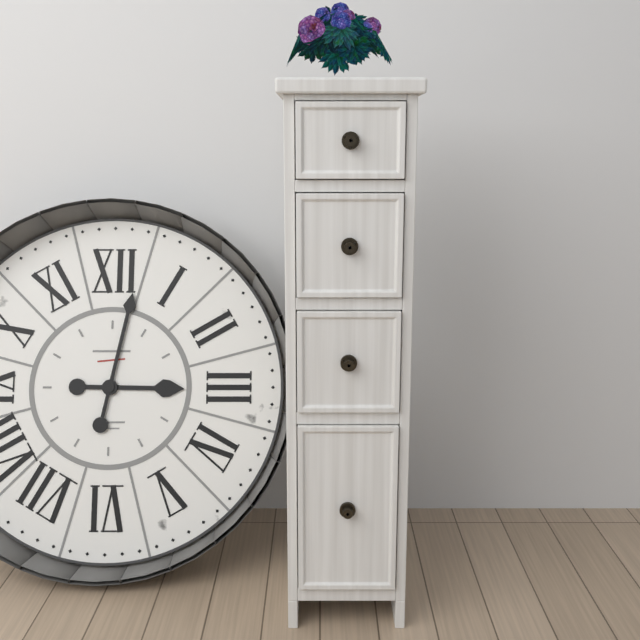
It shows {"hour": 3, "minute": 2}
